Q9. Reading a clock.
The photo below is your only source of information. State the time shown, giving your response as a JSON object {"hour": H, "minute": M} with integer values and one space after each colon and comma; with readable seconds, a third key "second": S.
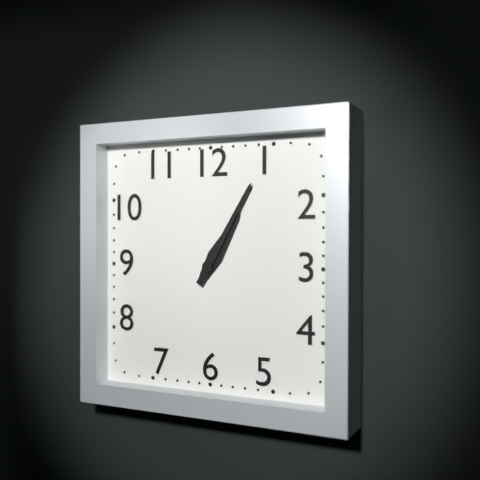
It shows {"hour": 1, "minute": 5}
